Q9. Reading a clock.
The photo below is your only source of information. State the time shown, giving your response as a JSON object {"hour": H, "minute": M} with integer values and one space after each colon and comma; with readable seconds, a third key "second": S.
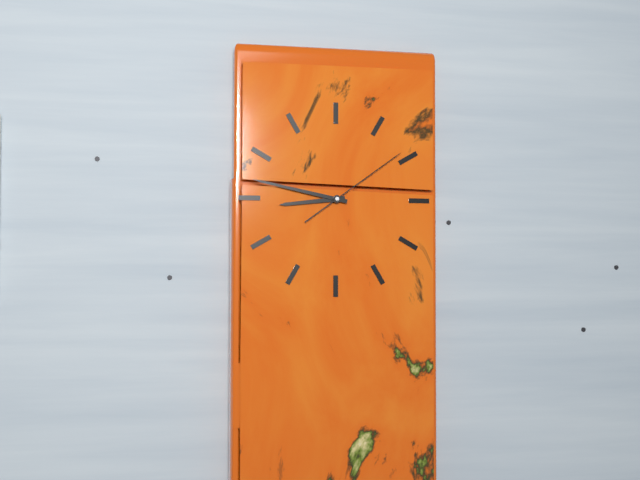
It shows {"hour": 8, "minute": 47, "second": 9}
